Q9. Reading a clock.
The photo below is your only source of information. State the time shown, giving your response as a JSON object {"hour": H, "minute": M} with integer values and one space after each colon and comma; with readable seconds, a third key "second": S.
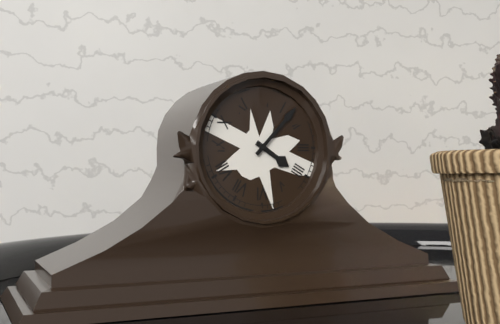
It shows {"hour": 4, "minute": 7}
